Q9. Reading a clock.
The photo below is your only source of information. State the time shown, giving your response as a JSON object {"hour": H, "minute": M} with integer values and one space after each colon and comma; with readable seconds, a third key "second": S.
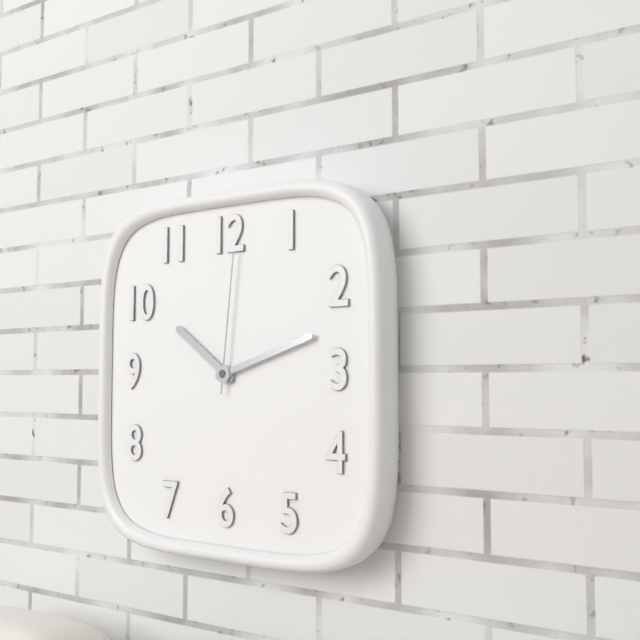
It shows {"hour": 10, "minute": 12, "second": 1}
